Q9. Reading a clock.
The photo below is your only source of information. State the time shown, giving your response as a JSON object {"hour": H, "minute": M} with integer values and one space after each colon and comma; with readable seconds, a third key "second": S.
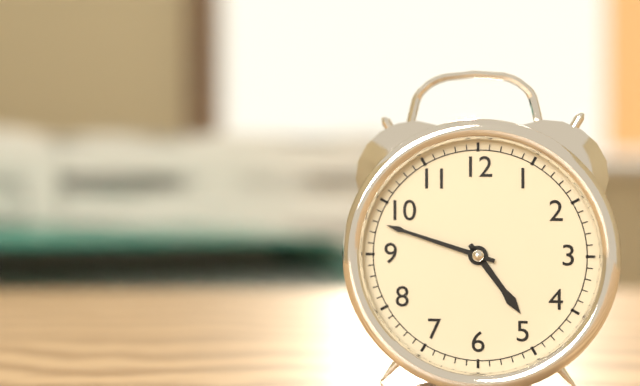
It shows {"hour": 4, "minute": 48}
